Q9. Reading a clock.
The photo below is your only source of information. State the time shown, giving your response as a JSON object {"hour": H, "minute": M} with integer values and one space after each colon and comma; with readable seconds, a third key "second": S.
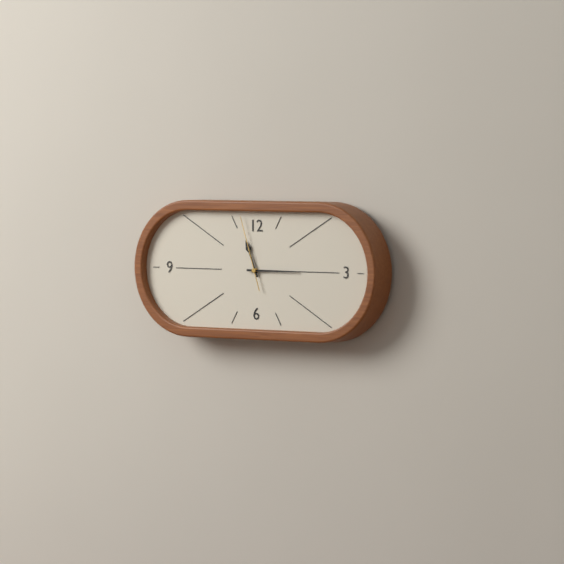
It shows {"hour": 11, "minute": 15, "second": 57}
